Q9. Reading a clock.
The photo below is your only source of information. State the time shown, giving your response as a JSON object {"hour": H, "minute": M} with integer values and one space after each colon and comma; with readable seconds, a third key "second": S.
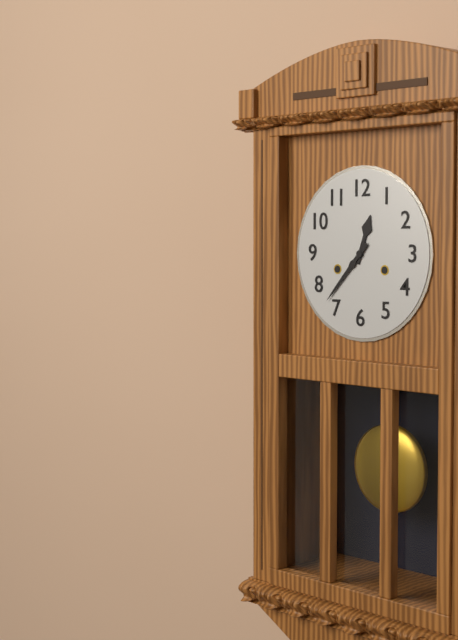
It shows {"hour": 12, "minute": 37}
